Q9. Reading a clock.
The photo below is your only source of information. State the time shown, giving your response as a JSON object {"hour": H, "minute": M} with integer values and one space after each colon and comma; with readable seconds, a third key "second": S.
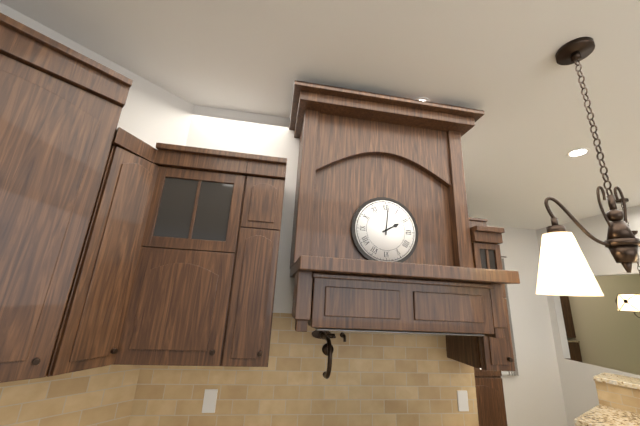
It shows {"hour": 2, "minute": 1}
